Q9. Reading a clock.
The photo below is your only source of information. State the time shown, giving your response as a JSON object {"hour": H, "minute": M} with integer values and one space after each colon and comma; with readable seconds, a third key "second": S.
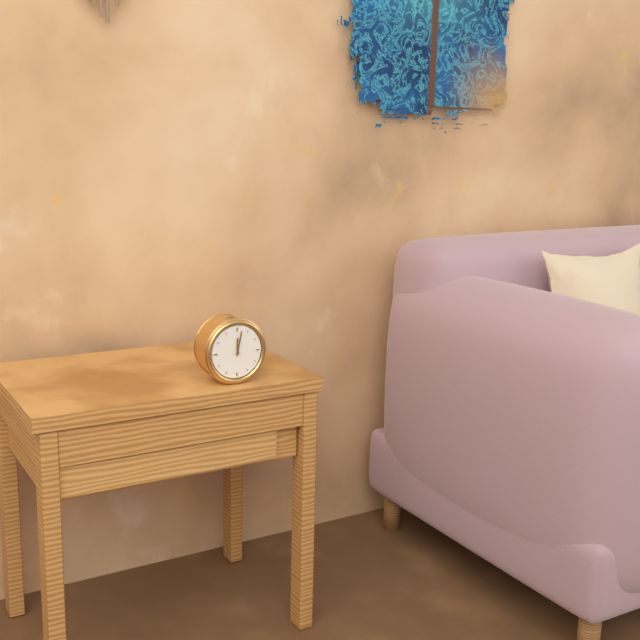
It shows {"hour": 12, "minute": 2}
